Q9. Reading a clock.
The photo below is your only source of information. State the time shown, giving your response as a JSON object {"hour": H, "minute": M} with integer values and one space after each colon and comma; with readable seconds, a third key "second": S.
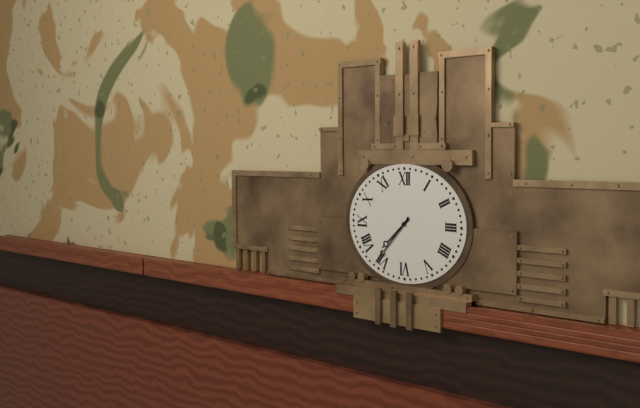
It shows {"hour": 7, "minute": 37}
